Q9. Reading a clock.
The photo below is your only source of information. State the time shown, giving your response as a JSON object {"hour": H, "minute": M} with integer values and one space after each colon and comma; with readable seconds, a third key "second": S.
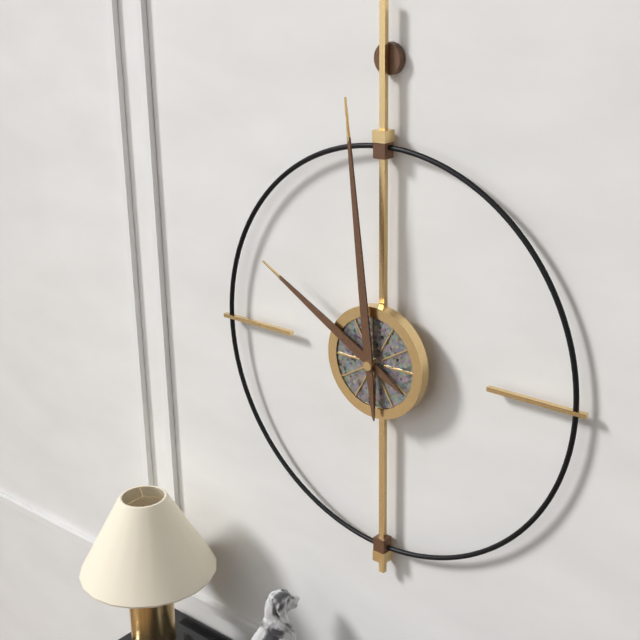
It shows {"hour": 9, "minute": 59}
